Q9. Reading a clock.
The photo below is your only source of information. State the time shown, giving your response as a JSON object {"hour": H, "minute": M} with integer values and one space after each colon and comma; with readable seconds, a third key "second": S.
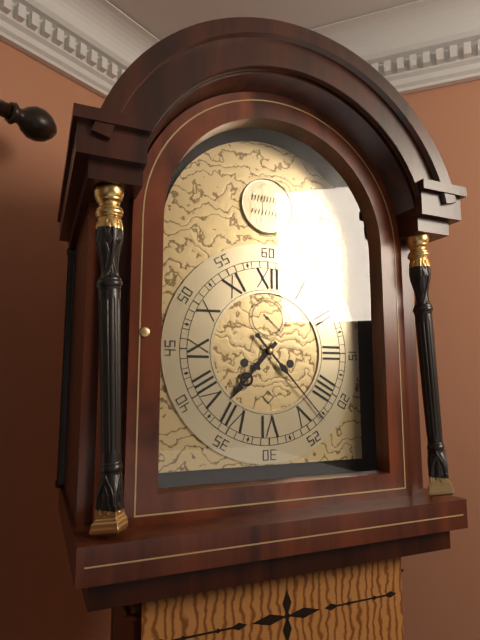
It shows {"hour": 7, "minute": 23}
